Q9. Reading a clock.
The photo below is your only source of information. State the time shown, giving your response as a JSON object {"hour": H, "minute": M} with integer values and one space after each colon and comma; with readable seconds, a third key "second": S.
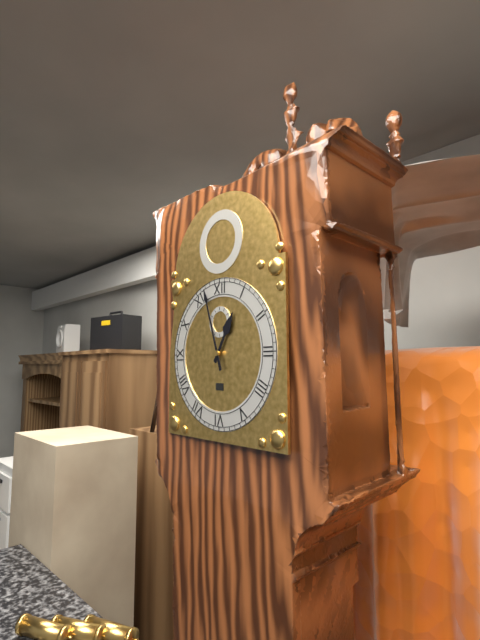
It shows {"hour": 12, "minute": 57}
